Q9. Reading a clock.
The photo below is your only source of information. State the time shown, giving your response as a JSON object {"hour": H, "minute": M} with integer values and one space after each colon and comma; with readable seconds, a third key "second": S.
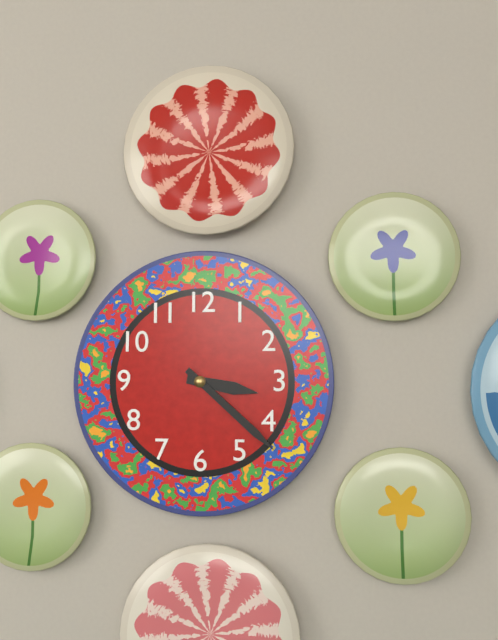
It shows {"hour": 3, "minute": 22}
